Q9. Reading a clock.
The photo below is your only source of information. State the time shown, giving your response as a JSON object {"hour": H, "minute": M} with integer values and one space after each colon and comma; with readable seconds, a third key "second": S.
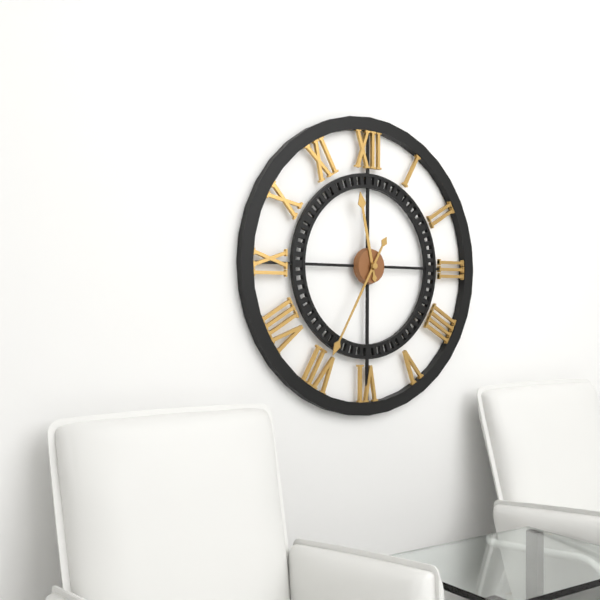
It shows {"hour": 11, "minute": 35}
